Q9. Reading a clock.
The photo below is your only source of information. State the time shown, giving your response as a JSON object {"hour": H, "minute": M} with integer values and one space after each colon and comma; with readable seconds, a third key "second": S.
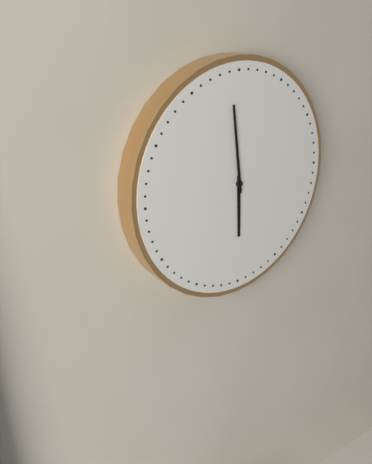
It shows {"hour": 5, "minute": 59}
